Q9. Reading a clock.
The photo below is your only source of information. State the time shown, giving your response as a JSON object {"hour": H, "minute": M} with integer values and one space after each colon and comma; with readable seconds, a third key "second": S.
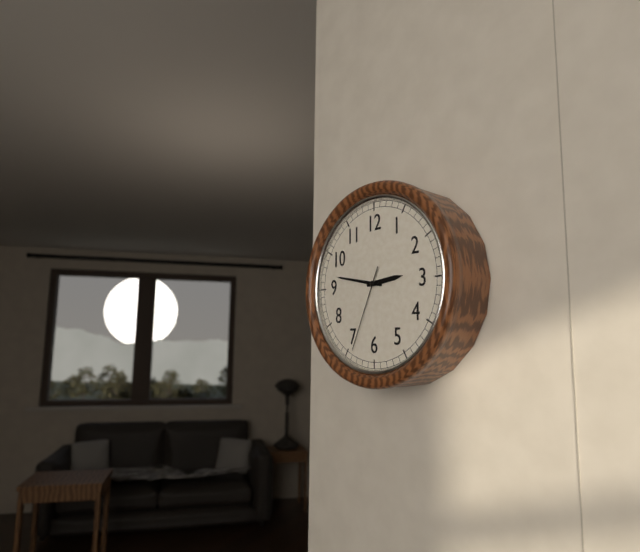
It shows {"hour": 2, "minute": 47, "second": 34}
